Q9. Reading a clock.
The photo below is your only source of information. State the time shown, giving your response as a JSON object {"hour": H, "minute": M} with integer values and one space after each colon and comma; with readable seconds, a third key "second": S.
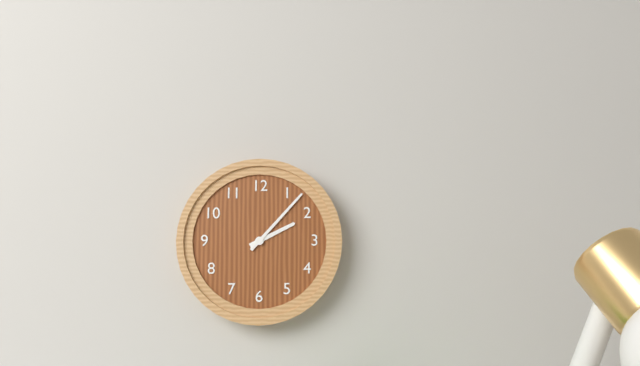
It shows {"hour": 2, "minute": 7}
